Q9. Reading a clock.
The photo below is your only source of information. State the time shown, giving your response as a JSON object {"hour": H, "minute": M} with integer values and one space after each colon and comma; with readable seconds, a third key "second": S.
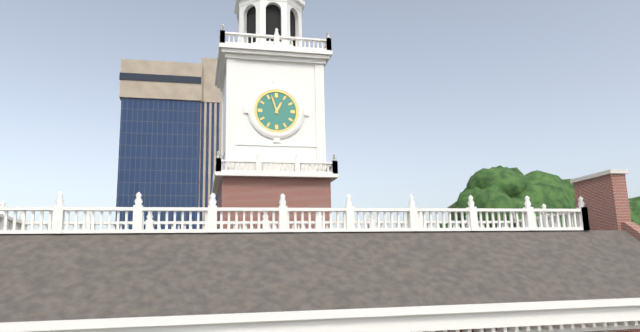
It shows {"hour": 12, "minute": 57}
